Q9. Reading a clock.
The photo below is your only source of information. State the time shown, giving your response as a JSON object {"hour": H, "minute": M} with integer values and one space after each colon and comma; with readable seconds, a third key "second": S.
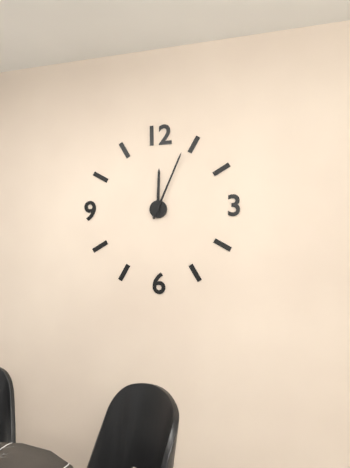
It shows {"hour": 12, "minute": 4}
